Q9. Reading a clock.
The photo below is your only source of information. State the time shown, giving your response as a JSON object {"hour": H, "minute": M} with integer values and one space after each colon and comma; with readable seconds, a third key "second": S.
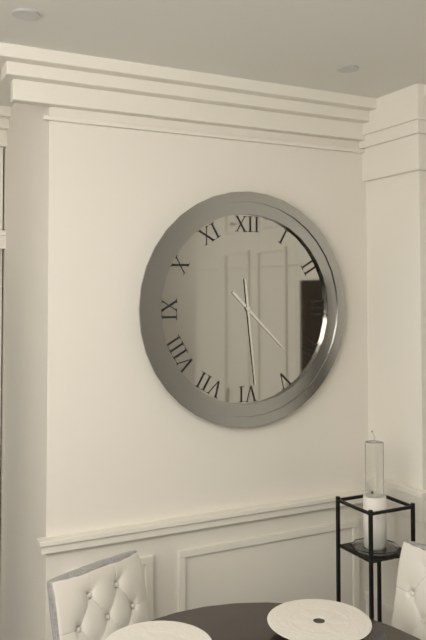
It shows {"hour": 4, "minute": 29}
